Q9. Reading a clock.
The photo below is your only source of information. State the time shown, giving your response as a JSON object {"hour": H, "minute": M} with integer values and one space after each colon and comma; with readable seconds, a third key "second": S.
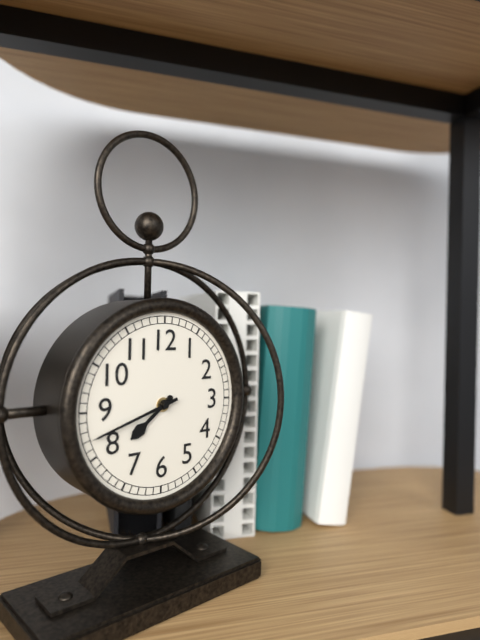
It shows {"hour": 7, "minute": 42}
